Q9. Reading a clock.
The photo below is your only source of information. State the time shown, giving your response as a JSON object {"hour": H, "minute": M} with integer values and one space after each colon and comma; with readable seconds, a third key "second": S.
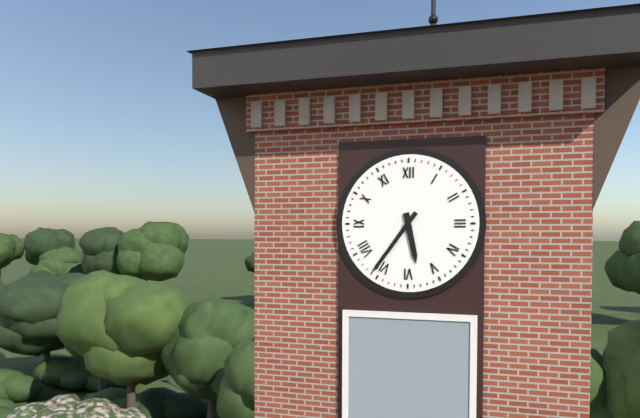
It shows {"hour": 5, "minute": 36}
